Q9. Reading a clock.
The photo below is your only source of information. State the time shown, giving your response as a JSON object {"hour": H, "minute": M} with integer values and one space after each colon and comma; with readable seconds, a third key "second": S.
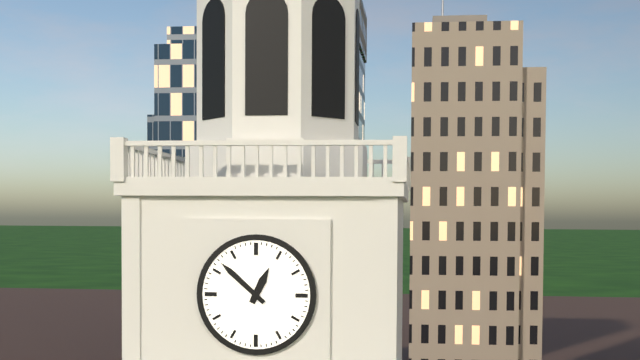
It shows {"hour": 12, "minute": 52}
